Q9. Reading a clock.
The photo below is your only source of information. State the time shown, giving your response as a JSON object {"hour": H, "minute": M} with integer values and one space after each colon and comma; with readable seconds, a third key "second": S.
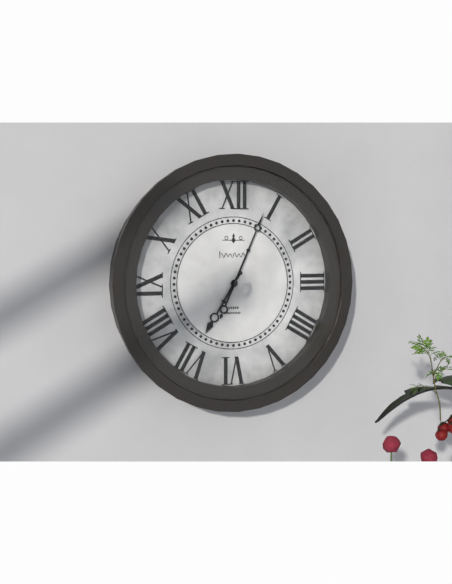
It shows {"hour": 7, "minute": 4}
